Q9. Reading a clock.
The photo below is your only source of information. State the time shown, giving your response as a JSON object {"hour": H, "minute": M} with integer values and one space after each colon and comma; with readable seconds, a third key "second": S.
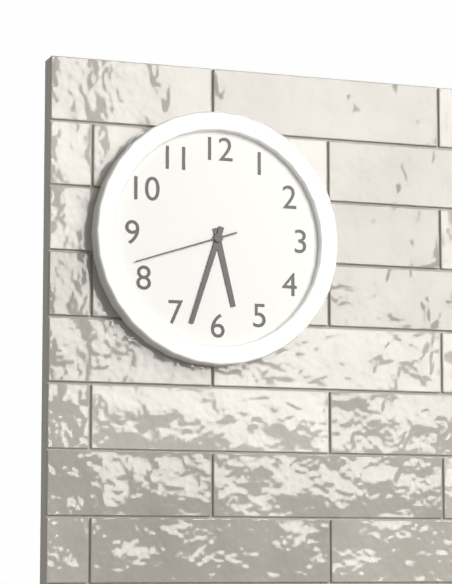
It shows {"hour": 5, "minute": 33, "second": 42}
